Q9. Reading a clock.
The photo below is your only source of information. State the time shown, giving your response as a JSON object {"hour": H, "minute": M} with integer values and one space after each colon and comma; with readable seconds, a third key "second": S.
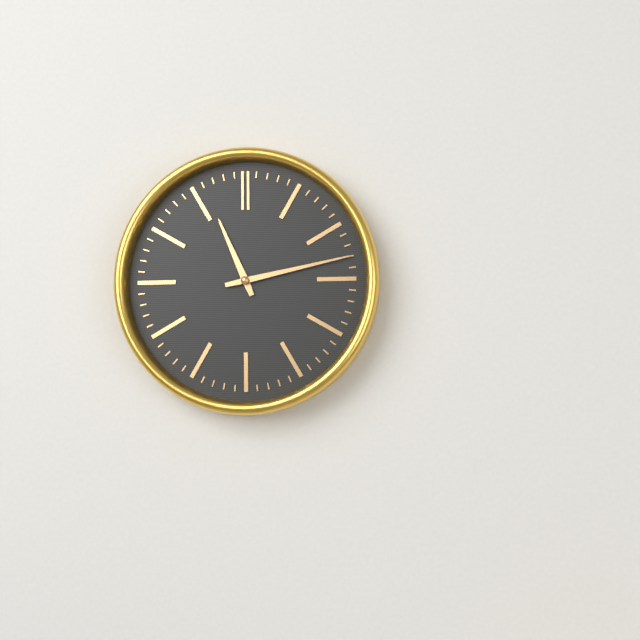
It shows {"hour": 11, "minute": 13}
